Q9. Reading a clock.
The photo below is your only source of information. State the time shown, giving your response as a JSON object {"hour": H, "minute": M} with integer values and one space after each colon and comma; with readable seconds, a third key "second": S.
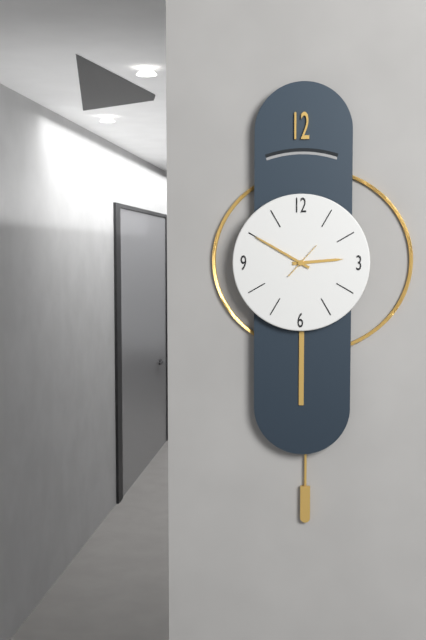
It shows {"hour": 2, "minute": 50}
